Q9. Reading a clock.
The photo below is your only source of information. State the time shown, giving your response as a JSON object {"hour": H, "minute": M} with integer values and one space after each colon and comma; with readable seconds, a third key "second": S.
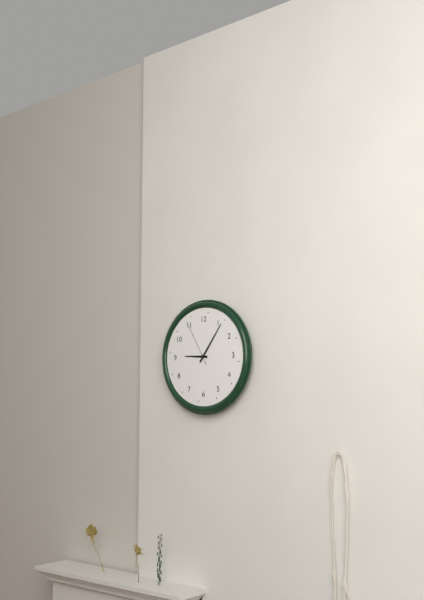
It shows {"hour": 9, "minute": 6}
